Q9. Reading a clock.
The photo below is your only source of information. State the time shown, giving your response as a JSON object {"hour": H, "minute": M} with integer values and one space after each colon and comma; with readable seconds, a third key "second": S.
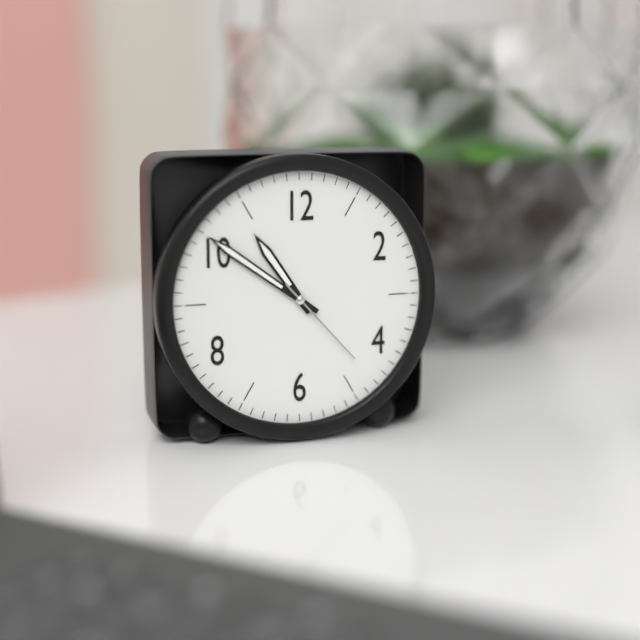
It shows {"hour": 10, "minute": 51, "second": 23}
